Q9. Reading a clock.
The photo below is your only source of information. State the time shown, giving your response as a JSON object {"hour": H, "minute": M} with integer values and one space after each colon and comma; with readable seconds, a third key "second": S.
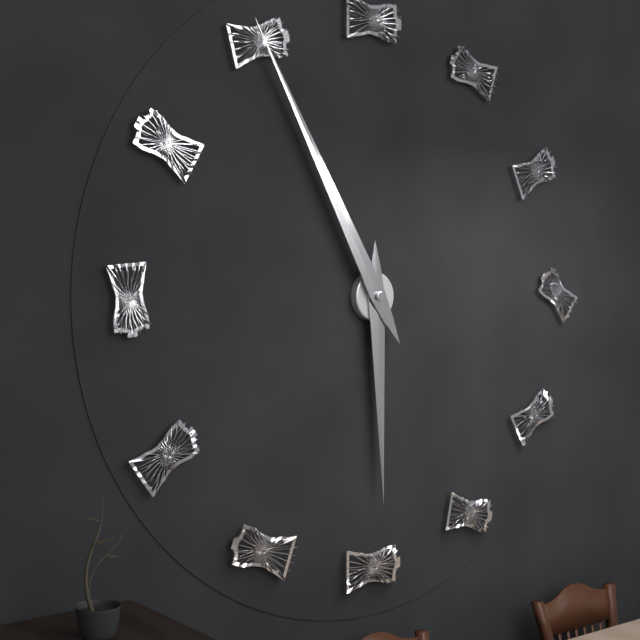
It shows {"hour": 5, "minute": 55}
